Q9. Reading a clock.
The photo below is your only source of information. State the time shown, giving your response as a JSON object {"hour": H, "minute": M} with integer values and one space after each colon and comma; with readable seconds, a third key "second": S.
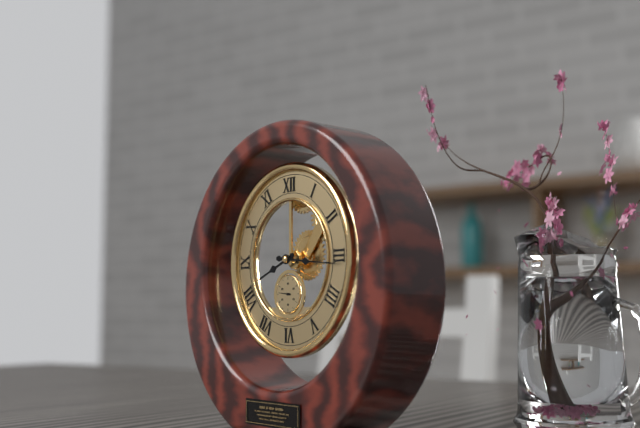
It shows {"hour": 8, "minute": 16}
